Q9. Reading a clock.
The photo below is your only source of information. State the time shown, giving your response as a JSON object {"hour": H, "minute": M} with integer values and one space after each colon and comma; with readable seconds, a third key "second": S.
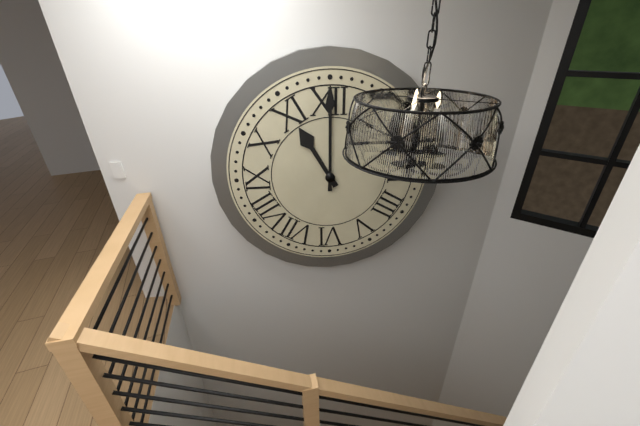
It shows {"hour": 11, "minute": 0}
